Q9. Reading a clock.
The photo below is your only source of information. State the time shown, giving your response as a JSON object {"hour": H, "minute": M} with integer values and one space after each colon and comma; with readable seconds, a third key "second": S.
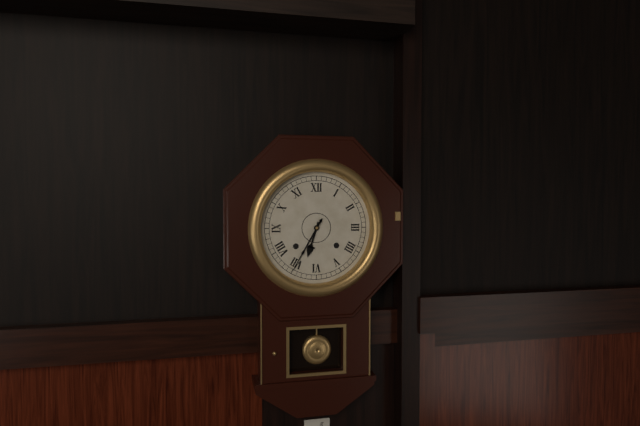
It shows {"hour": 6, "minute": 35}
